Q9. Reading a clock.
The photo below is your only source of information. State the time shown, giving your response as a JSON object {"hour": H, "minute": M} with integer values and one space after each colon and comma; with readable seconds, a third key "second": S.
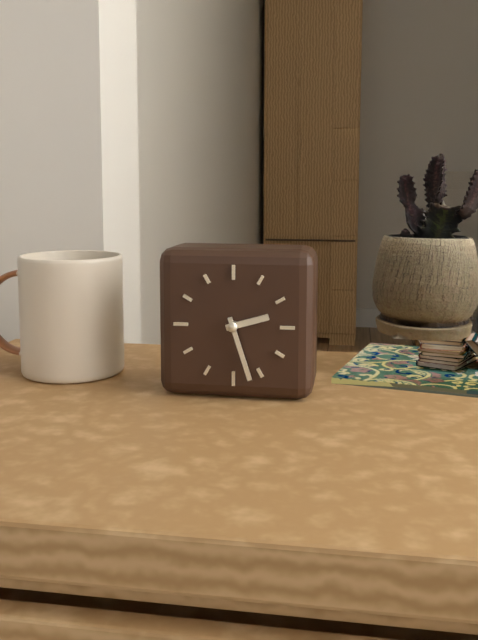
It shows {"hour": 2, "minute": 27}
